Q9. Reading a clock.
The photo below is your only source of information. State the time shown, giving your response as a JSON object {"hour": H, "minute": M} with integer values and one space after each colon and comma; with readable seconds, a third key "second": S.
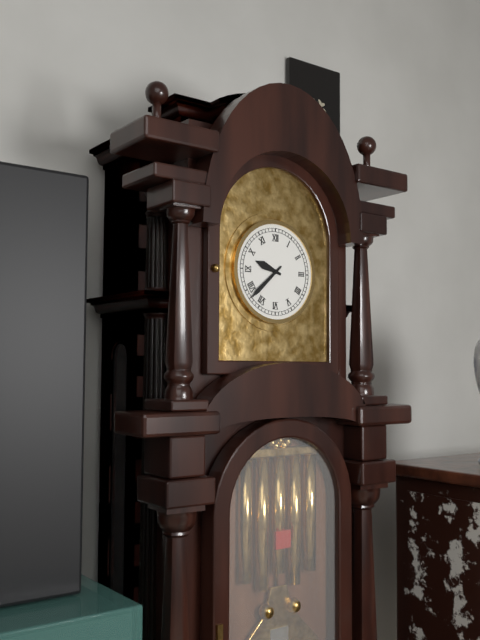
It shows {"hour": 9, "minute": 38}
